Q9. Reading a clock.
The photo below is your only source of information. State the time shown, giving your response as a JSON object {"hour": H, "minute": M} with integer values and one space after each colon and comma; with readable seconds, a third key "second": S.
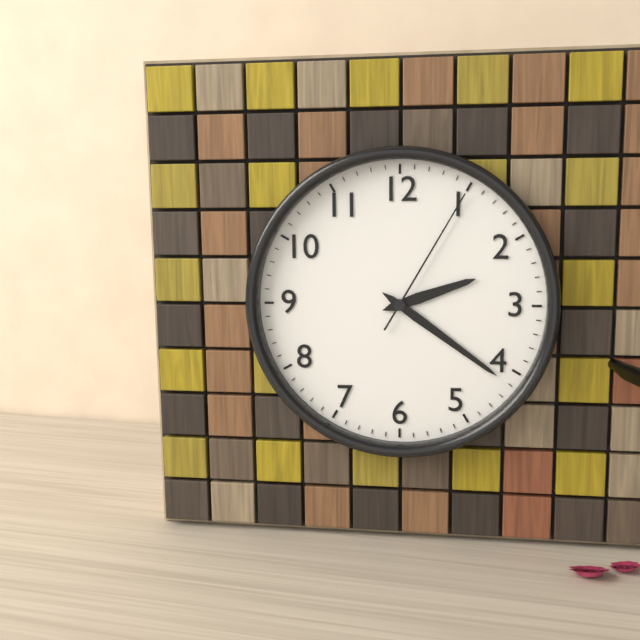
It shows {"hour": 2, "minute": 21, "second": 5}
